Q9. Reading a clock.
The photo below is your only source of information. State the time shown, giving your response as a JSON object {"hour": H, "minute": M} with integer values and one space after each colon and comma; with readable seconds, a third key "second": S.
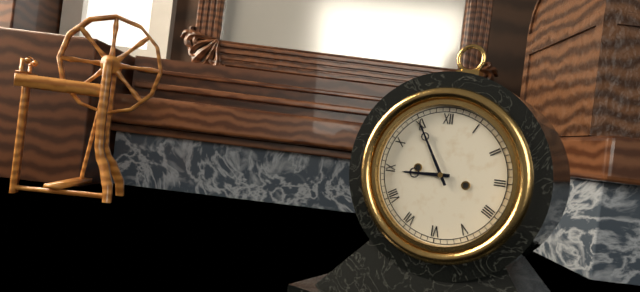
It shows {"hour": 8, "minute": 55}
